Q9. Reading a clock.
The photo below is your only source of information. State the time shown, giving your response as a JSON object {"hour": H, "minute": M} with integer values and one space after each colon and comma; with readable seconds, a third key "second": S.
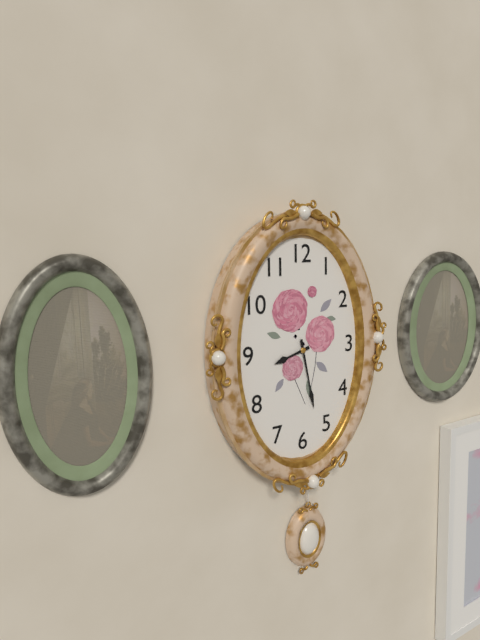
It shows {"hour": 8, "minute": 28}
